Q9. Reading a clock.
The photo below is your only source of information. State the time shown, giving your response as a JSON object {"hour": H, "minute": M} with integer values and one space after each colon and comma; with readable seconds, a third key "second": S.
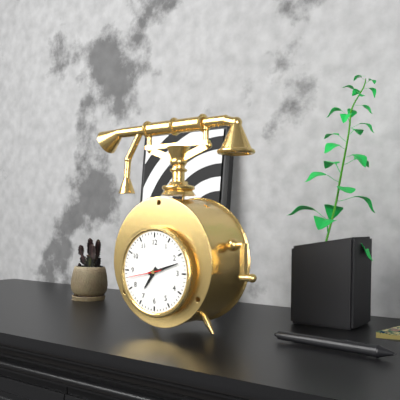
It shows {"hour": 7, "minute": 12}
